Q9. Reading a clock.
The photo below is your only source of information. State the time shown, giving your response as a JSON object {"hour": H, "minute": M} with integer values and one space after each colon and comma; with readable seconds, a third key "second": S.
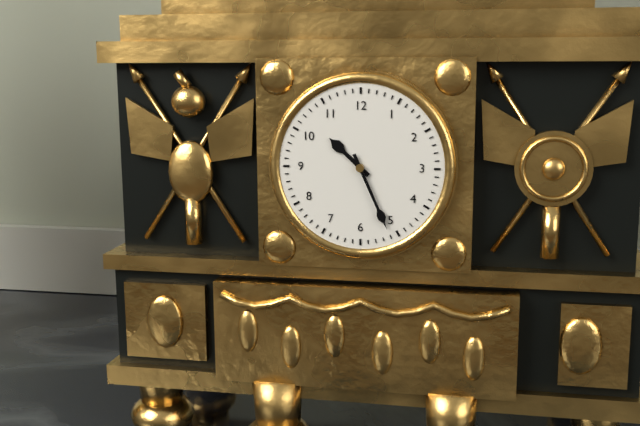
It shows {"hour": 10, "minute": 26}
